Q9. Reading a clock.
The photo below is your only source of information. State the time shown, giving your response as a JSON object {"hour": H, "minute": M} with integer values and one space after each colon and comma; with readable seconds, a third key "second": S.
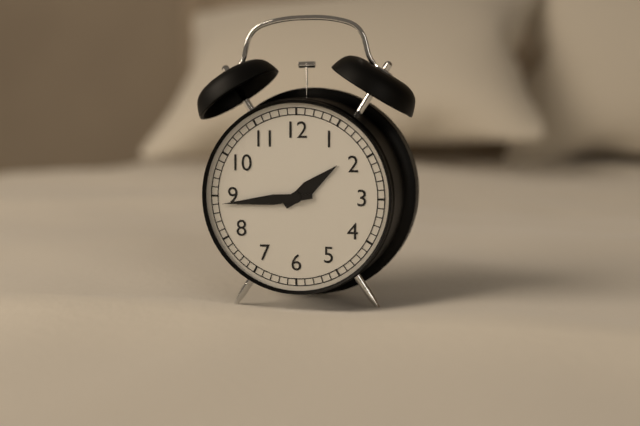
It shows {"hour": 1, "minute": 44}
